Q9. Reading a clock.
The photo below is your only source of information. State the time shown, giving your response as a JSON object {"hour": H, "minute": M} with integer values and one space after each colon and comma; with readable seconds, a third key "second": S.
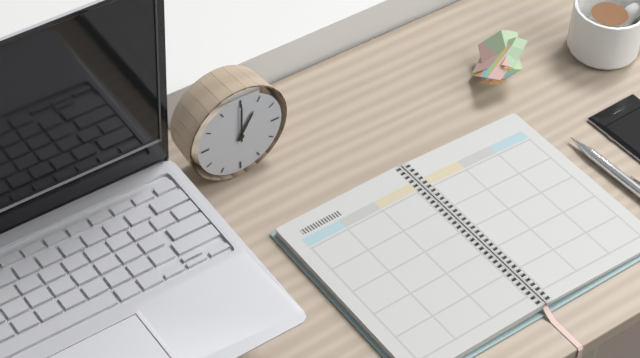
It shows {"hour": 1, "minute": 0}
